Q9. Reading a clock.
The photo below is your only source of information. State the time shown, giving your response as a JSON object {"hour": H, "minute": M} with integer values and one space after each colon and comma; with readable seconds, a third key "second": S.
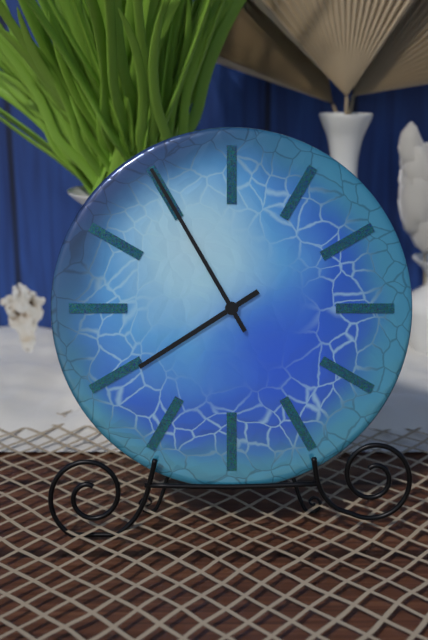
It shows {"hour": 7, "minute": 55}
